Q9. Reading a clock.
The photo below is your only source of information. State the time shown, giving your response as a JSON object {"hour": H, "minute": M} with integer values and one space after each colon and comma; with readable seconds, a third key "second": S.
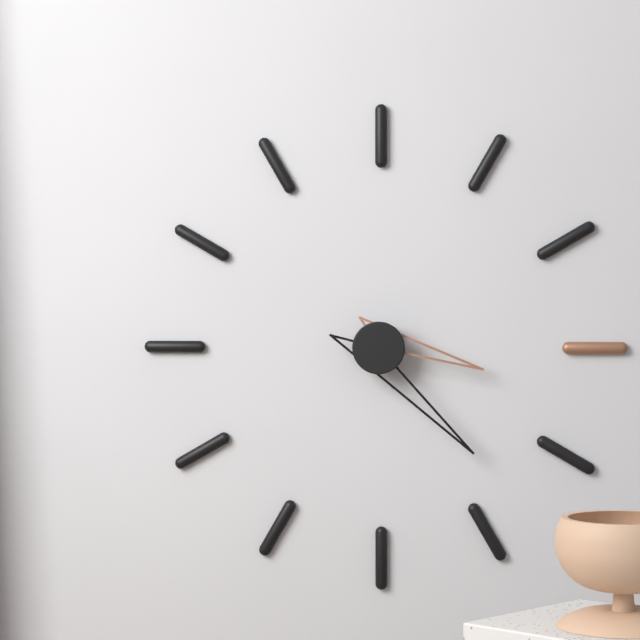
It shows {"hour": 3, "minute": 23}
